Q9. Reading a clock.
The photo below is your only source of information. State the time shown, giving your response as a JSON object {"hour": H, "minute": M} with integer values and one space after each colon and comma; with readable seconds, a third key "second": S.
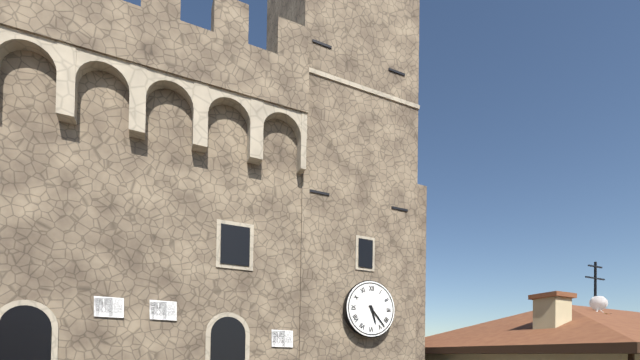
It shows {"hour": 5, "minute": 23}
